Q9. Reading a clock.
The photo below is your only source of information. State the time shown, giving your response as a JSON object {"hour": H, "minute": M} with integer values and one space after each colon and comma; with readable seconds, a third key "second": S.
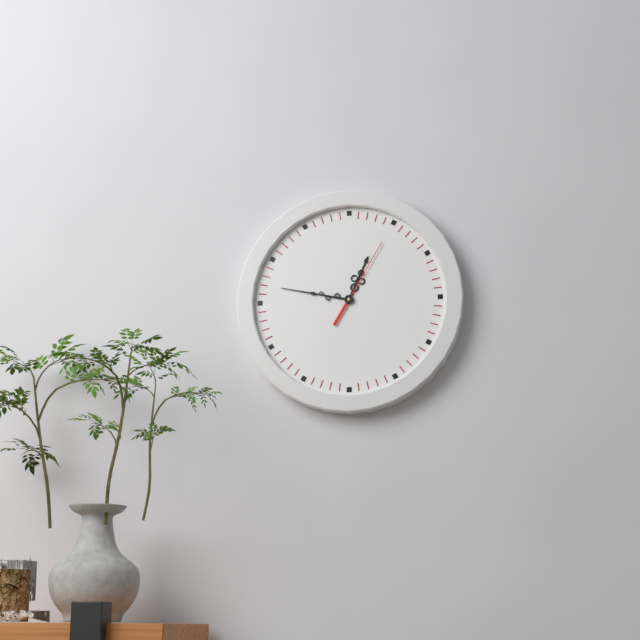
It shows {"hour": 12, "minute": 47, "second": 5}
